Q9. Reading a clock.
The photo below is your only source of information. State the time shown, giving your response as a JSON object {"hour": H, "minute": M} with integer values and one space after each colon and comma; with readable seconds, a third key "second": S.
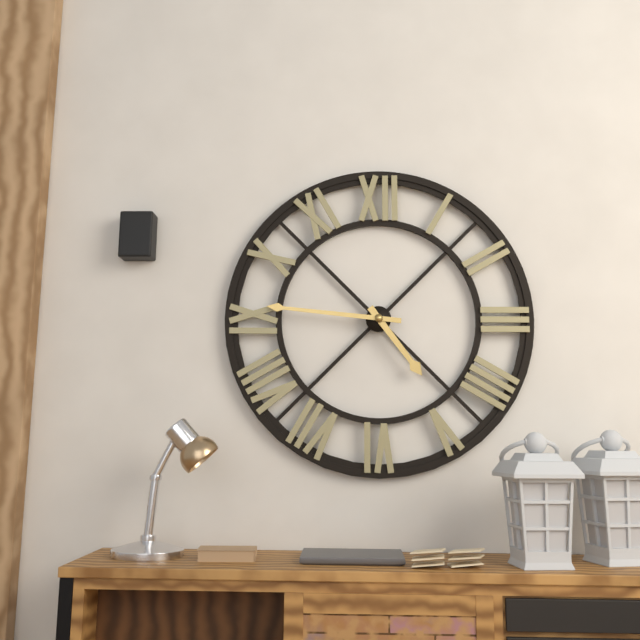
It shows {"hour": 4, "minute": 46}
